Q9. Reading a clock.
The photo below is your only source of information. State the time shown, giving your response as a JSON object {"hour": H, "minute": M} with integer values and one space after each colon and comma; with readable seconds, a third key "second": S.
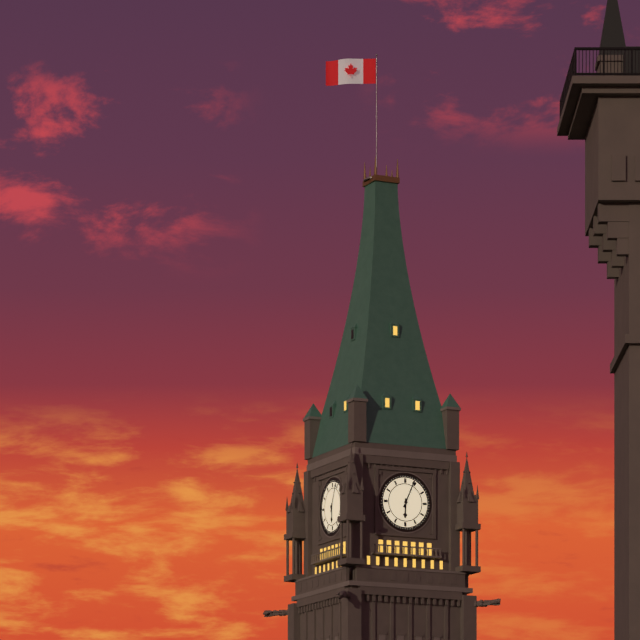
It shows {"hour": 6, "minute": 4}
